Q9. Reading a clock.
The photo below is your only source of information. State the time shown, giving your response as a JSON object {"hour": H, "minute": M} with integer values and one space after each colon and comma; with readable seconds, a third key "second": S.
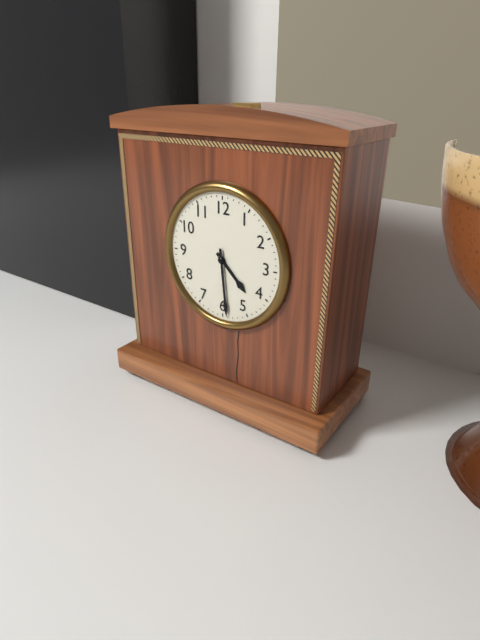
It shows {"hour": 4, "minute": 29}
